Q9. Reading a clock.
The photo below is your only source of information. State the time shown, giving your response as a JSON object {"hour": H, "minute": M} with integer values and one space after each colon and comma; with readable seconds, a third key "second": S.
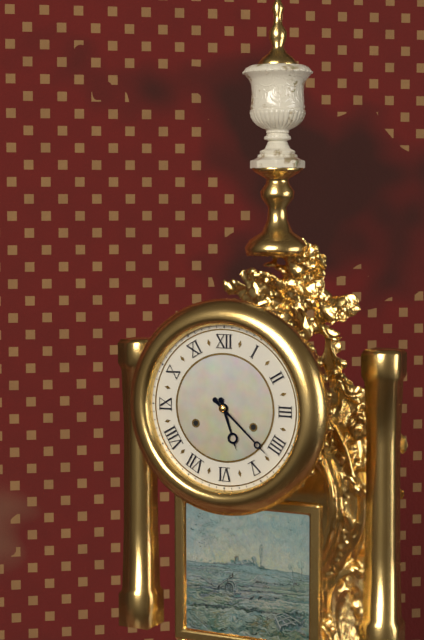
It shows {"hour": 5, "minute": 22}
